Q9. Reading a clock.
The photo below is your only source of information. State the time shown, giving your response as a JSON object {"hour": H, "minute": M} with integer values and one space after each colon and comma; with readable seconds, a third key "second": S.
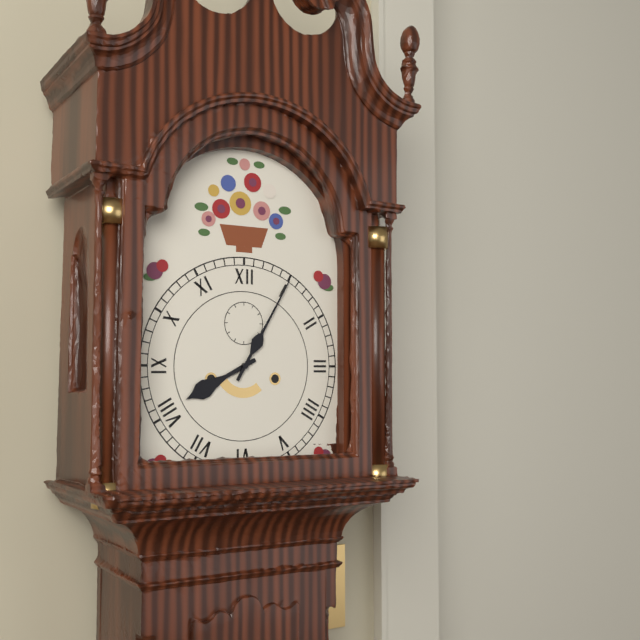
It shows {"hour": 8, "minute": 5}
